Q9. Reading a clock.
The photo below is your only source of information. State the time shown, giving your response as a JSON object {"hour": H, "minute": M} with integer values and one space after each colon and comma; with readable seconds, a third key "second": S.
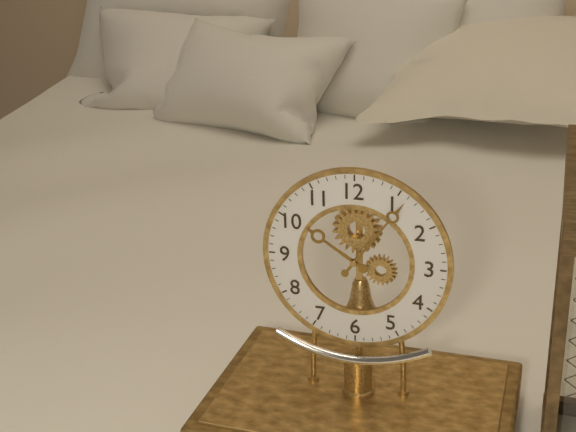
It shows {"hour": 10, "minute": 6}
